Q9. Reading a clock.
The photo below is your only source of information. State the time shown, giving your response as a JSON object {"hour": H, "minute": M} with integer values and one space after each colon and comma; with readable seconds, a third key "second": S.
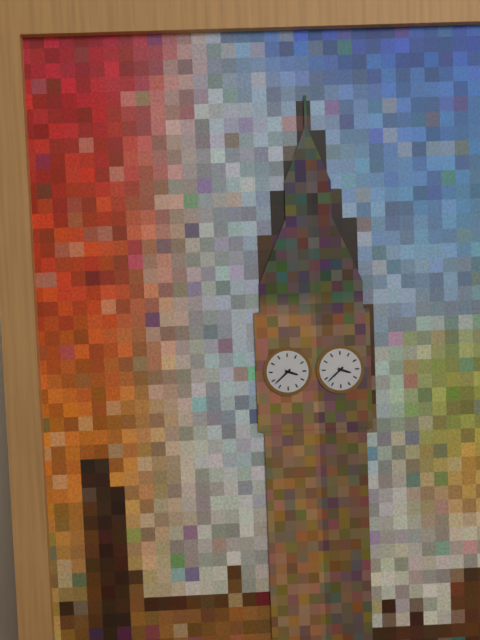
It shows {"hour": 3, "minute": 38}
